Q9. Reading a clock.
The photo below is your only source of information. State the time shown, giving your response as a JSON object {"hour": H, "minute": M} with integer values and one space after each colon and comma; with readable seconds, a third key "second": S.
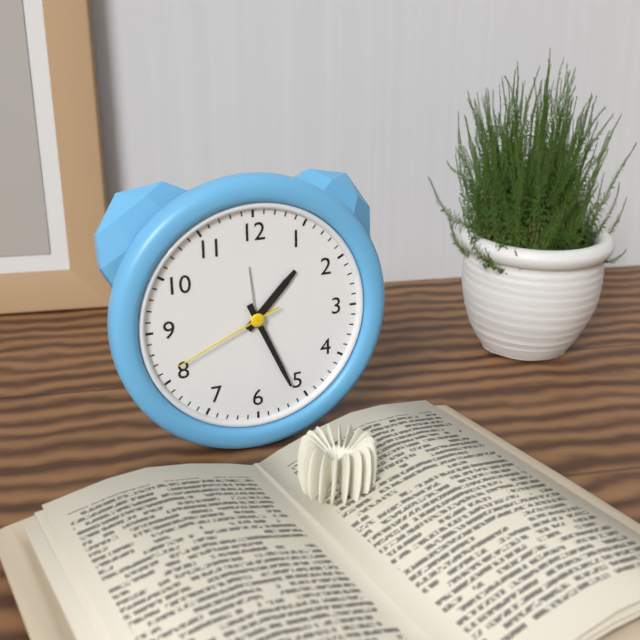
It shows {"hour": 1, "minute": 26, "second": 41}
